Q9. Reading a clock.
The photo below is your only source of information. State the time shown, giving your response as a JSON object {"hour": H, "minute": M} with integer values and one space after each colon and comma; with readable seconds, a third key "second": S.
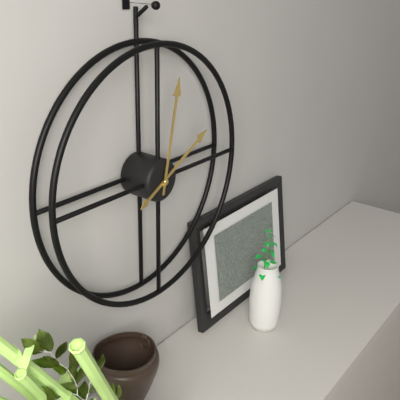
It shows {"hour": 2, "minute": 2}
